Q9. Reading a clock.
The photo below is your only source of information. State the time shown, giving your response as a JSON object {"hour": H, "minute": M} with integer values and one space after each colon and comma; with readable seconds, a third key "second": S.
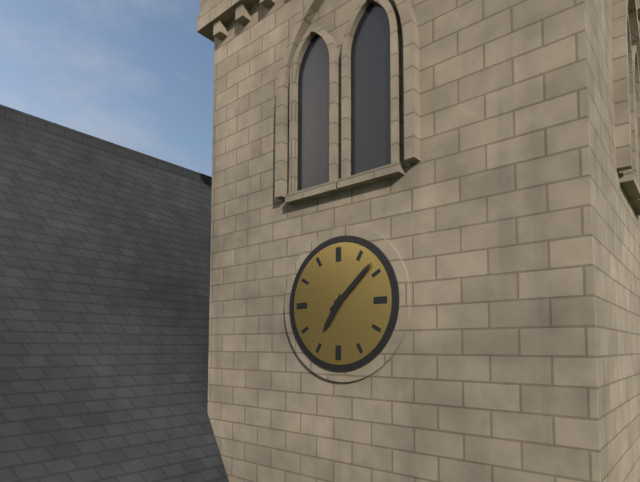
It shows {"hour": 7, "minute": 8}
